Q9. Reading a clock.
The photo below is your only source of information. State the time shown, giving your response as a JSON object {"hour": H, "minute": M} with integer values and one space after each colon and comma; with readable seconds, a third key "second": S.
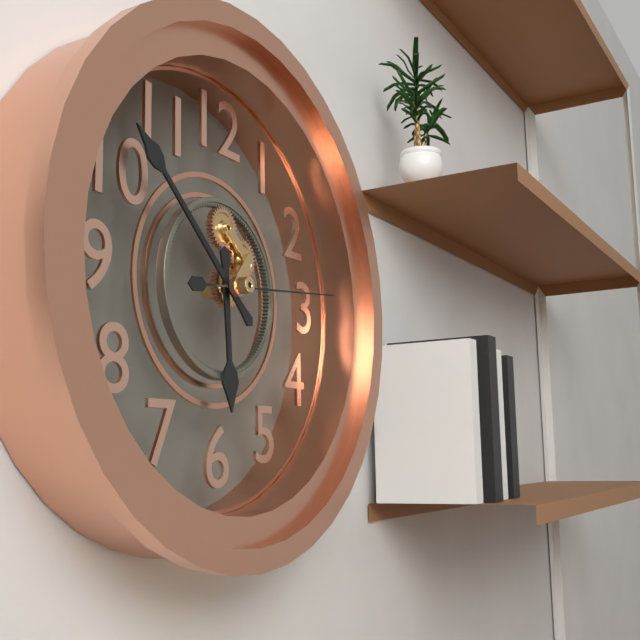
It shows {"hour": 5, "minute": 52, "second": 14}
